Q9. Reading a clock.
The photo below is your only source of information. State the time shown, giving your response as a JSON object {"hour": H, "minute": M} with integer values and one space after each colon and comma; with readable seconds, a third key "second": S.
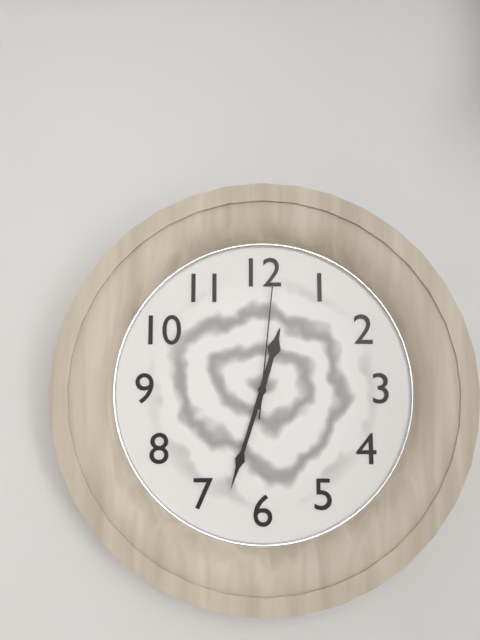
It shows {"hour": 12, "minute": 33, "second": 1}
